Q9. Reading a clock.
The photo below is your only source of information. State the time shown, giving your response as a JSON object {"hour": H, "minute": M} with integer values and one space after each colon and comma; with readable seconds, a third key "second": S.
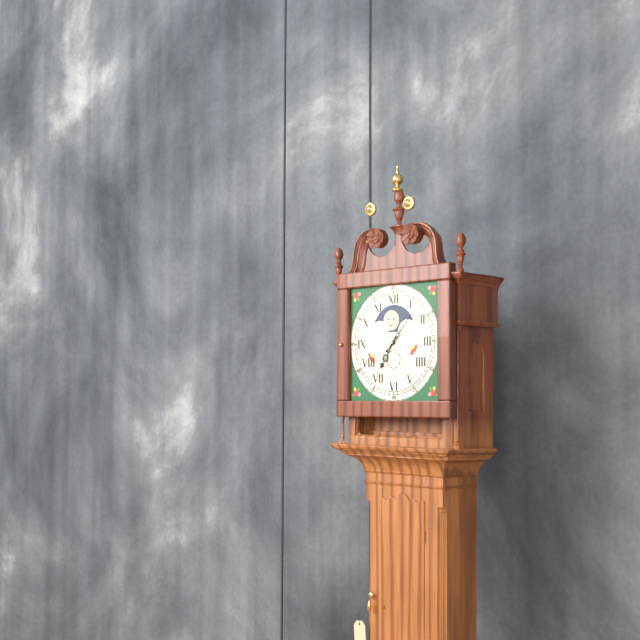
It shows {"hour": 7, "minute": 7}
